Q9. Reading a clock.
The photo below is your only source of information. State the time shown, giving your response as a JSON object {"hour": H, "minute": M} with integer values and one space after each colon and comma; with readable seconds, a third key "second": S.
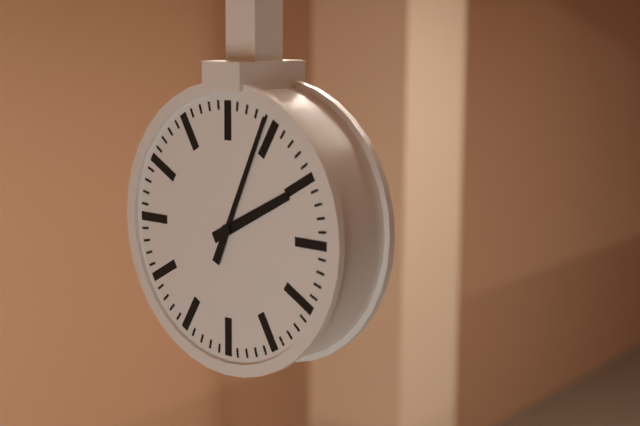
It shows {"hour": 2, "minute": 4}
